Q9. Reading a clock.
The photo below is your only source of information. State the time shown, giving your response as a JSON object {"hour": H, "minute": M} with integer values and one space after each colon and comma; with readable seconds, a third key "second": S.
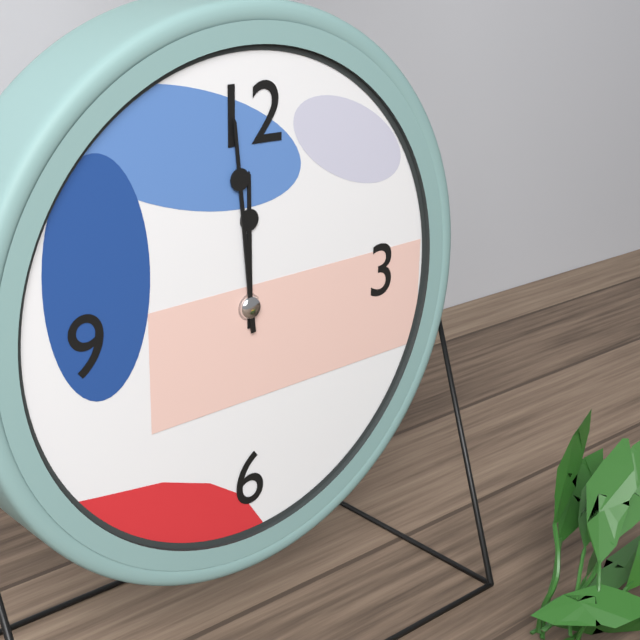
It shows {"hour": 11, "minute": 59}
